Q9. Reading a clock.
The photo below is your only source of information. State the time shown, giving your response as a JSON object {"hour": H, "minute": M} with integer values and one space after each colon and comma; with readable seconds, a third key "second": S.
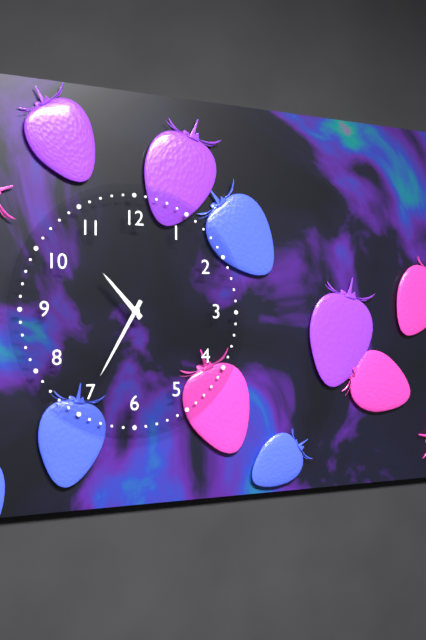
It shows {"hour": 10, "minute": 35}
